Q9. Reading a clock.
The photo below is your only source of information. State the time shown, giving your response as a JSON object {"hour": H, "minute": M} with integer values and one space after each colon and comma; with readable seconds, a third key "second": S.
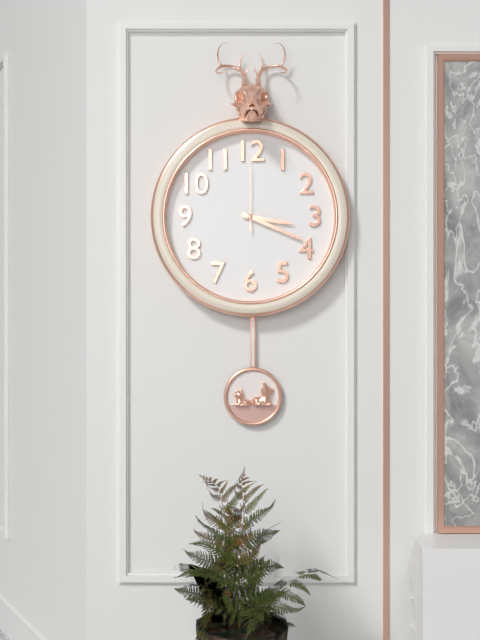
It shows {"hour": 3, "minute": 19, "second": 0}
